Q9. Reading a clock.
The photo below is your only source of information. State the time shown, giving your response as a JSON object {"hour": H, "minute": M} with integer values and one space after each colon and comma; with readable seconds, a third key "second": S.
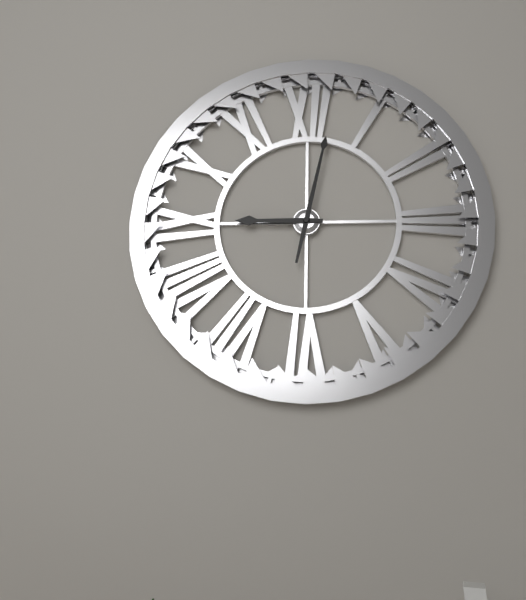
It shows {"hour": 9, "minute": 2}
